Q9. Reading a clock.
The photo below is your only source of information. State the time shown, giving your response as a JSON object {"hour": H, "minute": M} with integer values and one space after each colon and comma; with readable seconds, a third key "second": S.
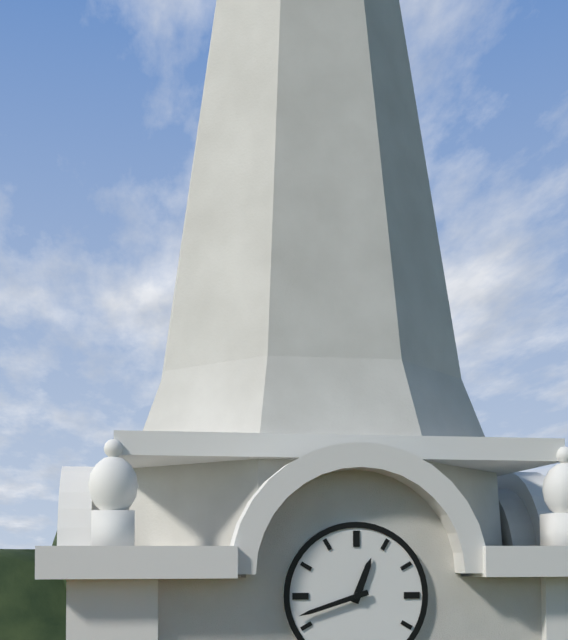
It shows {"hour": 12, "minute": 42}
